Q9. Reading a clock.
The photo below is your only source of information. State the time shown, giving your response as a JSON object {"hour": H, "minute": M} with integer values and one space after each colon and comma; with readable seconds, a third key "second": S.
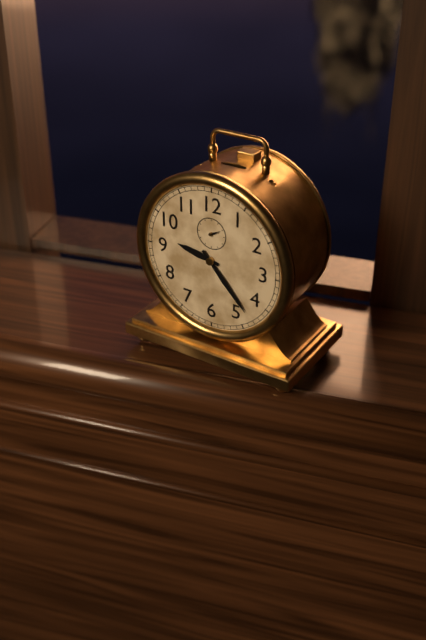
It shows {"hour": 9, "minute": 23}
